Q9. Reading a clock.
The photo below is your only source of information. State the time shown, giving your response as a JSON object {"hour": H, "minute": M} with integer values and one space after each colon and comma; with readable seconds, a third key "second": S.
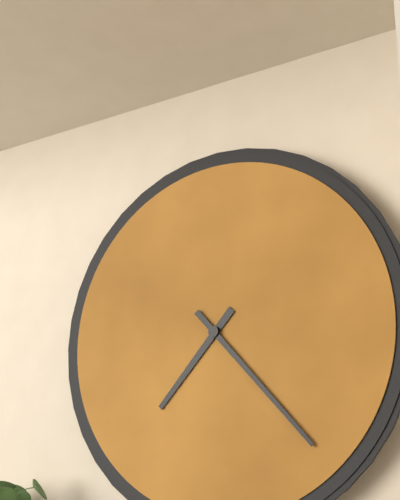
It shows {"hour": 7, "minute": 23}
